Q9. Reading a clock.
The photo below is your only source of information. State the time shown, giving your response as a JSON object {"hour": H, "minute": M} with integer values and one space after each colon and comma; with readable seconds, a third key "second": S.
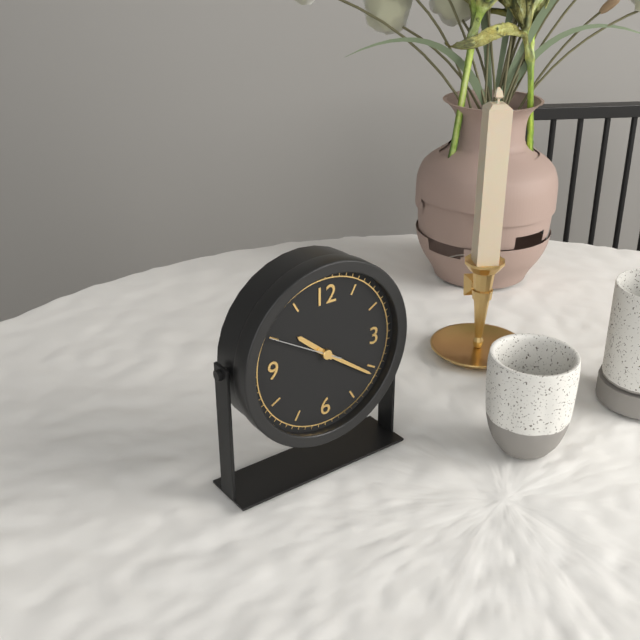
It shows {"hour": 10, "minute": 21, "second": 50}
